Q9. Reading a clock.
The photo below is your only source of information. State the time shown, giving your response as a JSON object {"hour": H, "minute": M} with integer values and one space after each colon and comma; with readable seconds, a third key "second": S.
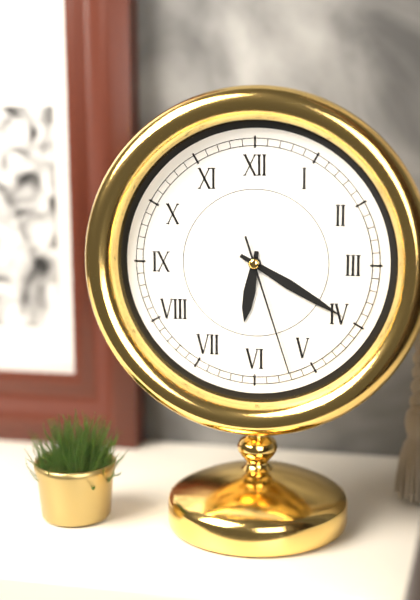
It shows {"hour": 6, "minute": 20, "second": 27}
